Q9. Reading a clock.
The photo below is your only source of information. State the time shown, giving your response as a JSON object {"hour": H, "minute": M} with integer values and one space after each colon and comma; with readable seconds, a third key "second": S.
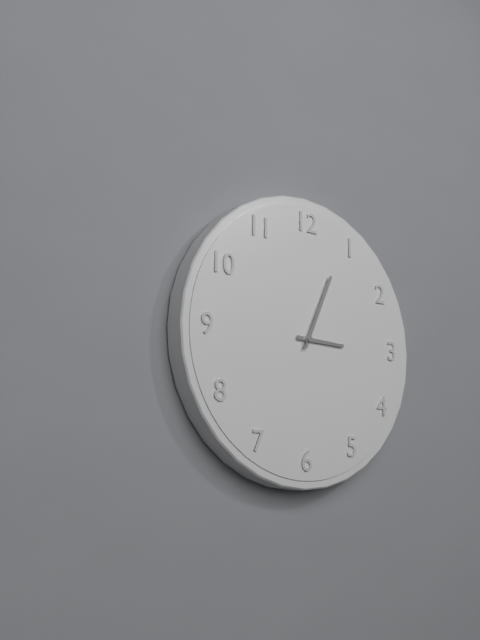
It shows {"hour": 3, "minute": 4}
